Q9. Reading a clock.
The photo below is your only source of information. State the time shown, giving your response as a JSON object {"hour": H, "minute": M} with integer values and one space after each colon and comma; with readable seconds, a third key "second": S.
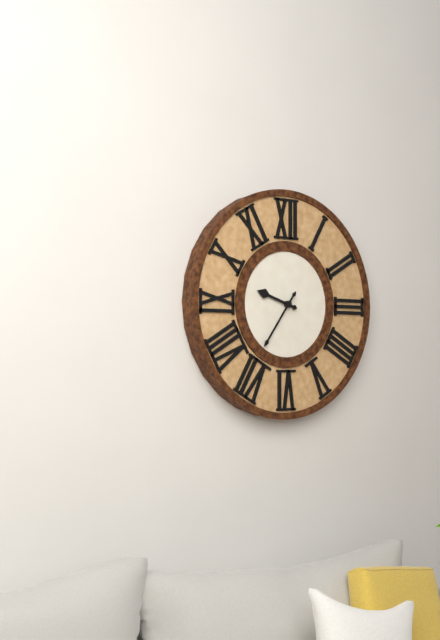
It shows {"hour": 9, "minute": 36}
